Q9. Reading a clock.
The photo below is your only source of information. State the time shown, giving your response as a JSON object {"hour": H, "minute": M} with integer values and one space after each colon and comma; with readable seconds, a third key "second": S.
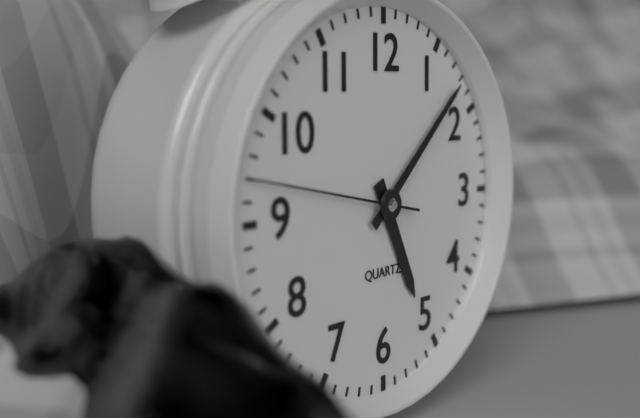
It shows {"hour": 5, "minute": 8, "second": 47}
